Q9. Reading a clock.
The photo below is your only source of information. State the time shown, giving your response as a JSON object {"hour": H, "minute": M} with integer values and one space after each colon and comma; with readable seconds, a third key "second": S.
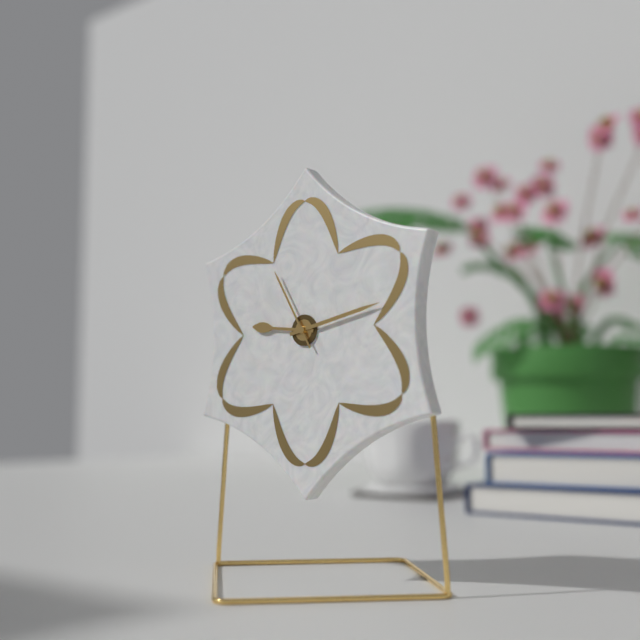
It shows {"hour": 9, "minute": 13, "second": 55}
